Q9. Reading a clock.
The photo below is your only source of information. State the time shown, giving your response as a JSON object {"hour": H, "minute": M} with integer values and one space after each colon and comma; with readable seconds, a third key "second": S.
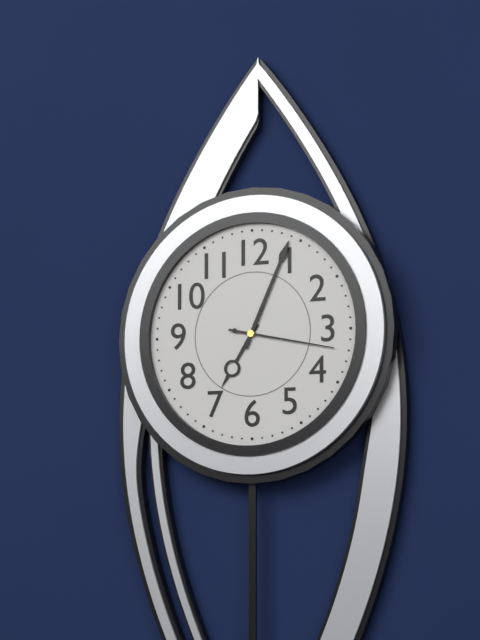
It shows {"hour": 7, "minute": 4, "second": 17}
